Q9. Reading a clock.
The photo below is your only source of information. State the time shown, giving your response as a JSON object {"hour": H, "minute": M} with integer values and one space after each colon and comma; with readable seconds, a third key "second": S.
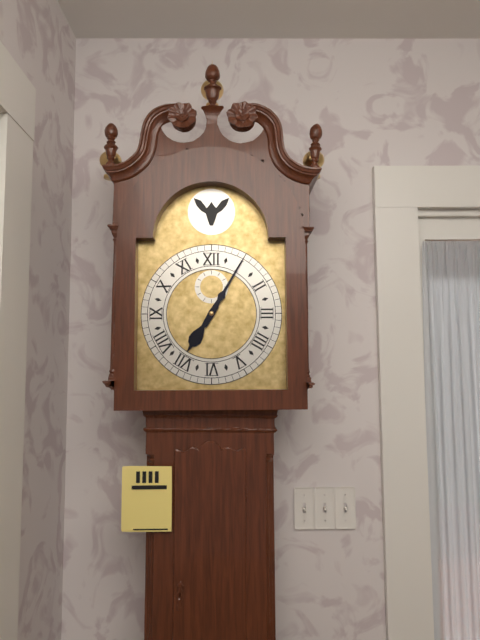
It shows {"hour": 7, "minute": 5}
